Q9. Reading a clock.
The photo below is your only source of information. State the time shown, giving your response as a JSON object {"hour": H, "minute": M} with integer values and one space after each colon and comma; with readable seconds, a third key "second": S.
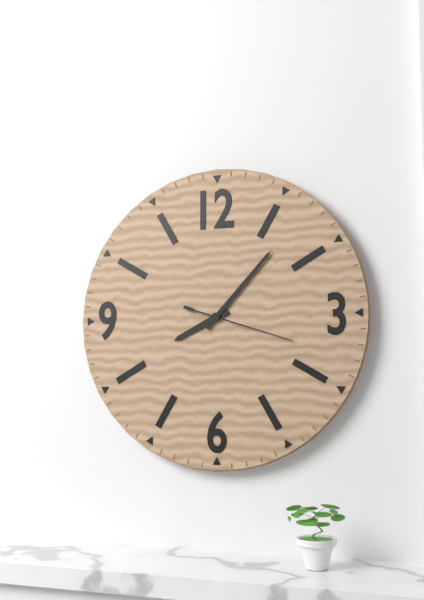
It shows {"hour": 8, "minute": 7, "second": 18}
